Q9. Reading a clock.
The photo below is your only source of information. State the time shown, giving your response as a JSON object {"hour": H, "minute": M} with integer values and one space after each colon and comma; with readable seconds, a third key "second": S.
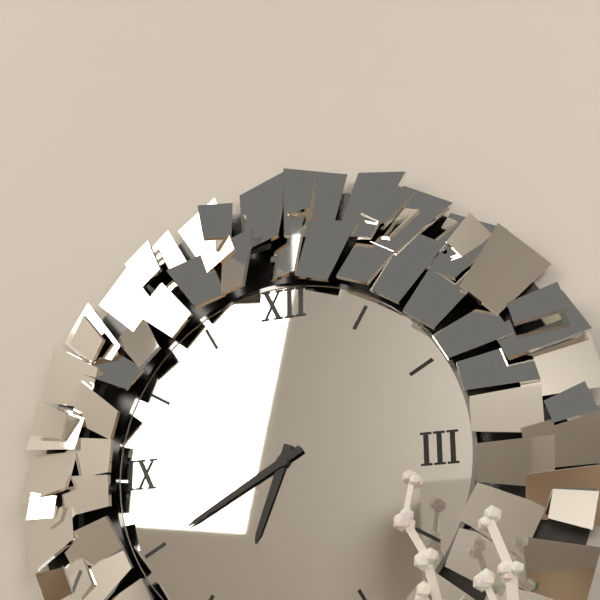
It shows {"hour": 6, "minute": 40}
